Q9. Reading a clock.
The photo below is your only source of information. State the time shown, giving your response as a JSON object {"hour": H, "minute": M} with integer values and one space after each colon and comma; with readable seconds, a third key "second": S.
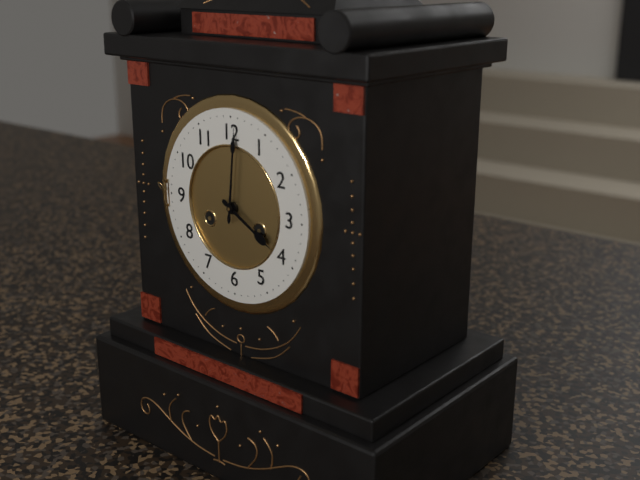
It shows {"hour": 4, "minute": 1}
